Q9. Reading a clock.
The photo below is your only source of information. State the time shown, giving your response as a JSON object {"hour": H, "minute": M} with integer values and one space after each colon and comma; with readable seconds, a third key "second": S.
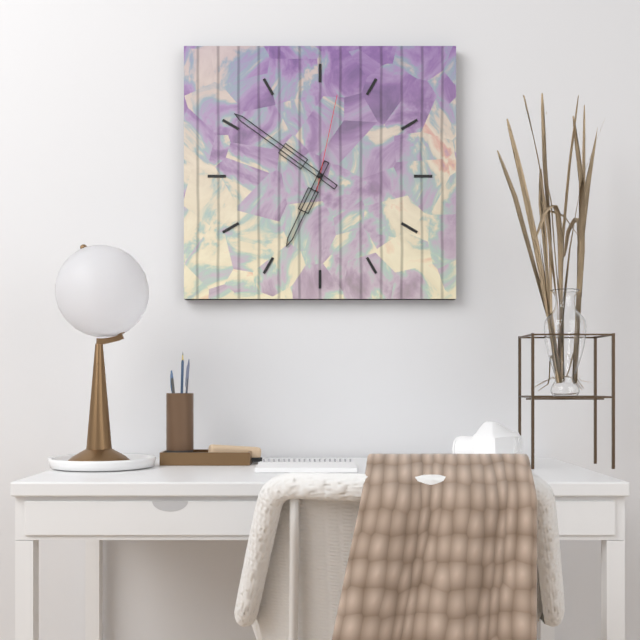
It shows {"hour": 6, "minute": 51, "second": 2}
